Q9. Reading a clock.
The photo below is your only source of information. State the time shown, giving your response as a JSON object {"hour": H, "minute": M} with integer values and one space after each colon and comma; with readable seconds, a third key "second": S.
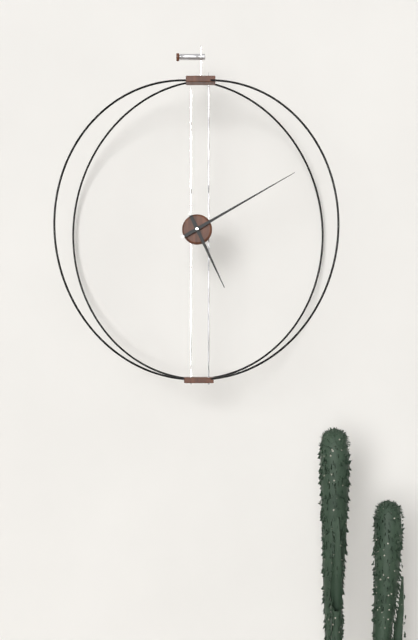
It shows {"hour": 5, "minute": 10}
